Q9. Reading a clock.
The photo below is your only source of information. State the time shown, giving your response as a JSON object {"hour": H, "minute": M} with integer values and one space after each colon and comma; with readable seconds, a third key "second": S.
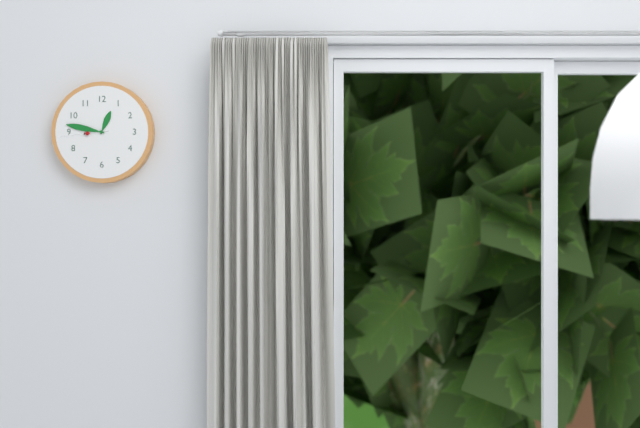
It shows {"hour": 12, "minute": 47, "second": 44}
